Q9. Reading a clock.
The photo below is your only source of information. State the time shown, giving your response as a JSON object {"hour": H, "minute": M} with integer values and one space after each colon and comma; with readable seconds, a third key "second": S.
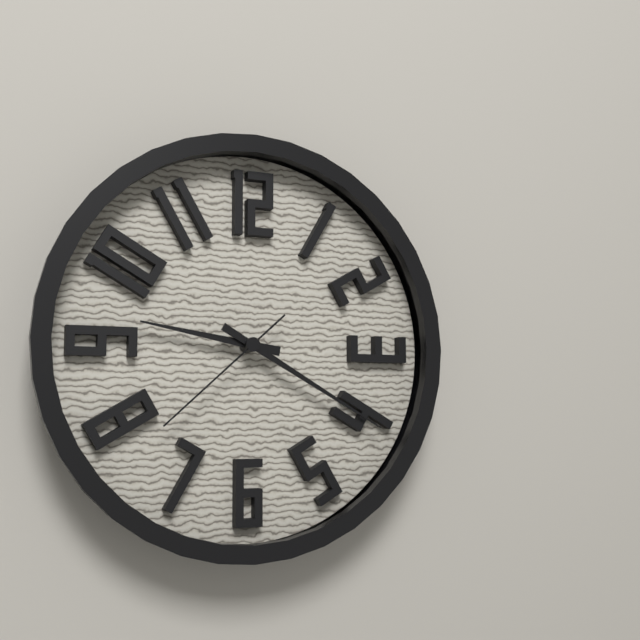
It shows {"hour": 9, "minute": 20, "second": 38}
